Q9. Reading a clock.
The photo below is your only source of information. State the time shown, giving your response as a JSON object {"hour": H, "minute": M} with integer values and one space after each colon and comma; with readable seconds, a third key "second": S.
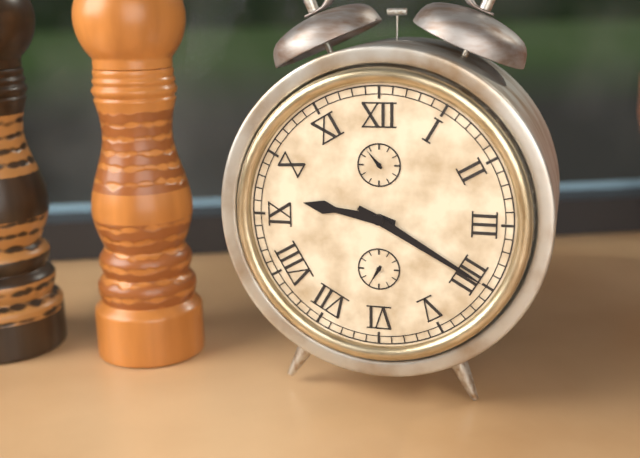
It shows {"hour": 9, "minute": 20}
